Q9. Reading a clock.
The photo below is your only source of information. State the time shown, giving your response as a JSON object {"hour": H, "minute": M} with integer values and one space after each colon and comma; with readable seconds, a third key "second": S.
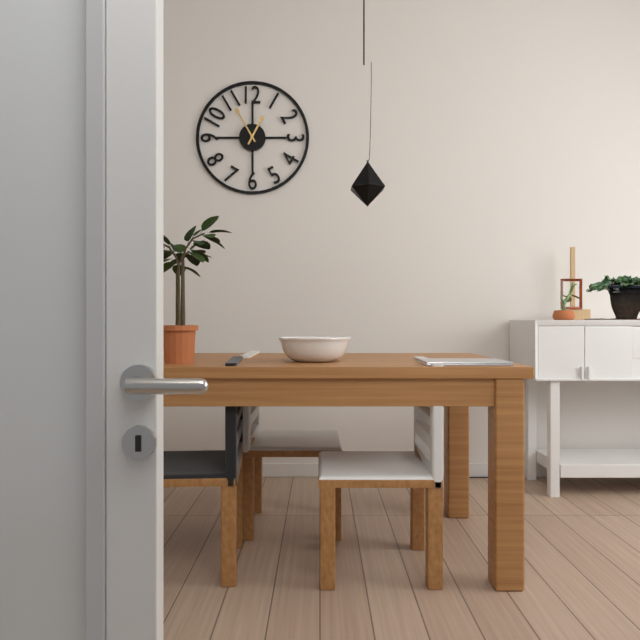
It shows {"hour": 12, "minute": 55}
